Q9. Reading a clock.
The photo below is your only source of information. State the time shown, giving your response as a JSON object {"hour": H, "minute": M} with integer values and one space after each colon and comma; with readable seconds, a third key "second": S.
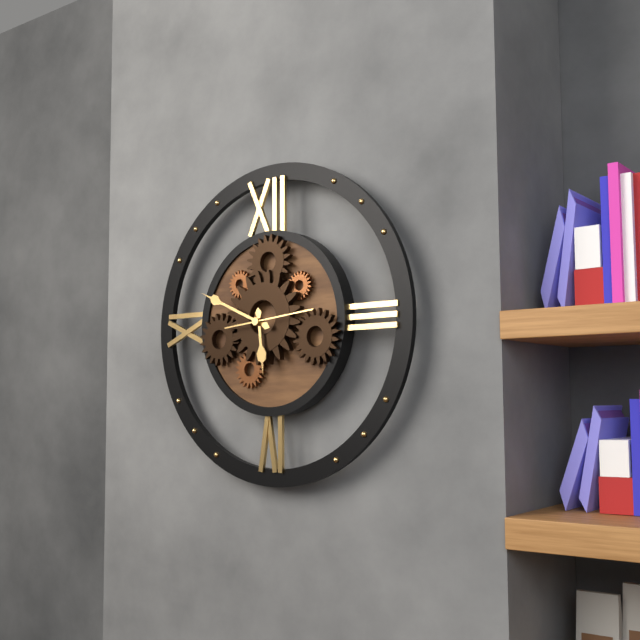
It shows {"hour": 5, "minute": 49, "second": 14}
